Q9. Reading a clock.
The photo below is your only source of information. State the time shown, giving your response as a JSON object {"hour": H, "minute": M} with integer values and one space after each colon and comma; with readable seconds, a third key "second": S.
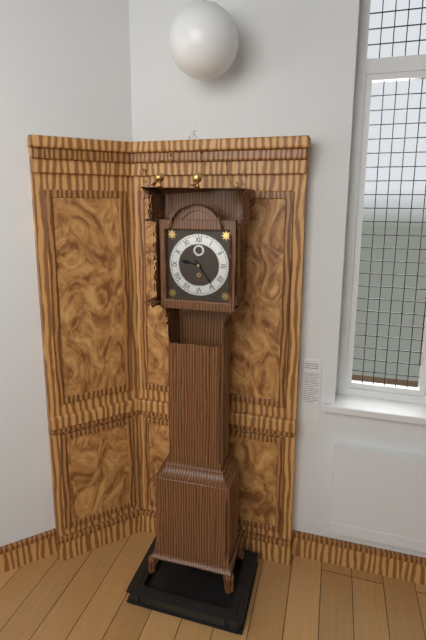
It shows {"hour": 9, "minute": 24}
